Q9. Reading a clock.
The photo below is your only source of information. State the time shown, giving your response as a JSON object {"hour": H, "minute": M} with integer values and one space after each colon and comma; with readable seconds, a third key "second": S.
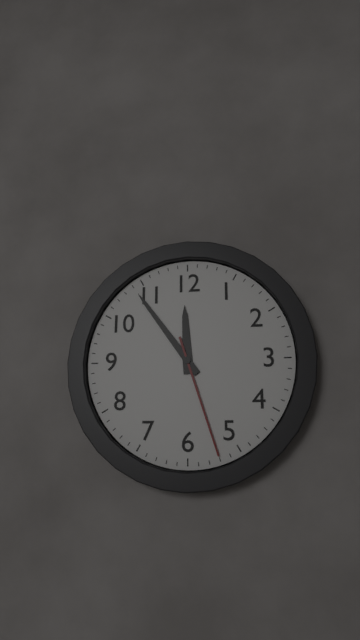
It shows {"hour": 11, "minute": 54, "second": 27}
